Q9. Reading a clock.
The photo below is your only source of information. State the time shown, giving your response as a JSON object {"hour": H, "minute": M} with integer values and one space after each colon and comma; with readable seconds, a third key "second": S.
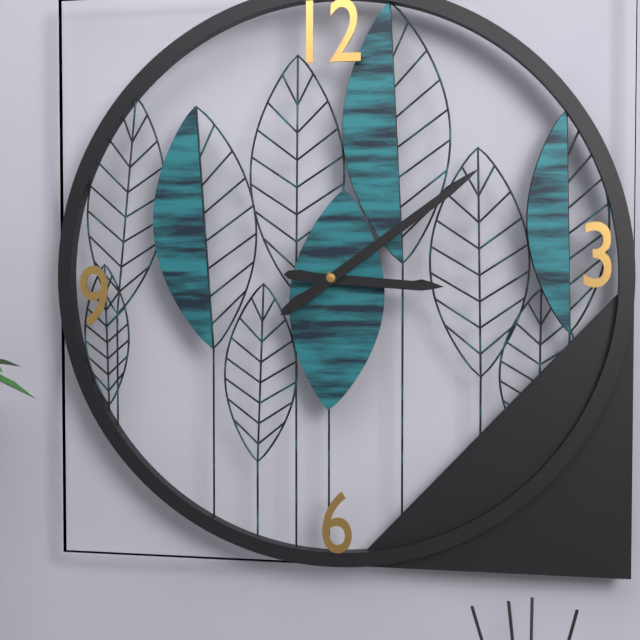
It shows {"hour": 3, "minute": 9}
